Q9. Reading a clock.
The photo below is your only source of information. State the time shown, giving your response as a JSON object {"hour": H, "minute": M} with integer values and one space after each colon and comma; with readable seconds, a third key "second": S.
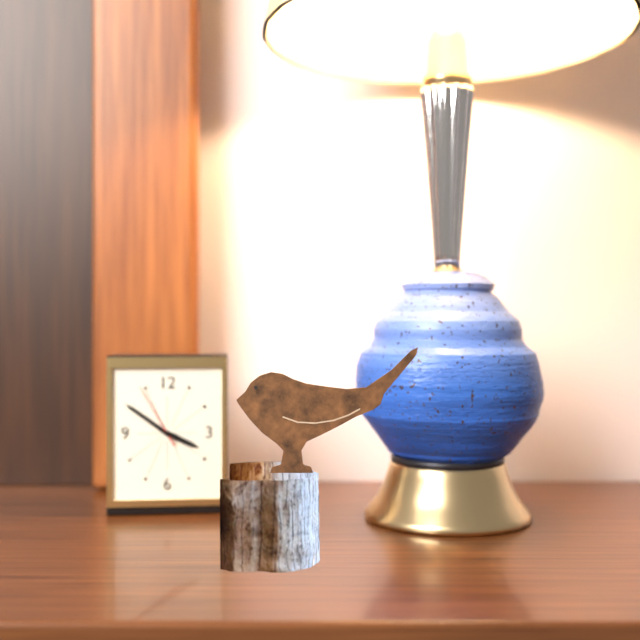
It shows {"hour": 3, "minute": 51, "second": 55}
